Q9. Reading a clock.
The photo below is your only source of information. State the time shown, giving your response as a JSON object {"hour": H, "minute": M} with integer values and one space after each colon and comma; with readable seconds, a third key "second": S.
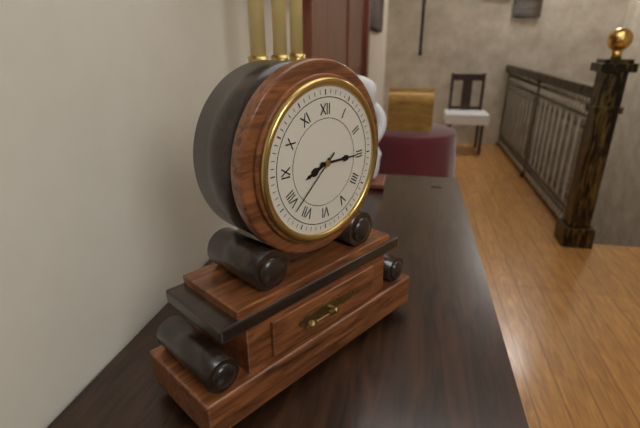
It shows {"hour": 8, "minute": 15, "second": 38}
